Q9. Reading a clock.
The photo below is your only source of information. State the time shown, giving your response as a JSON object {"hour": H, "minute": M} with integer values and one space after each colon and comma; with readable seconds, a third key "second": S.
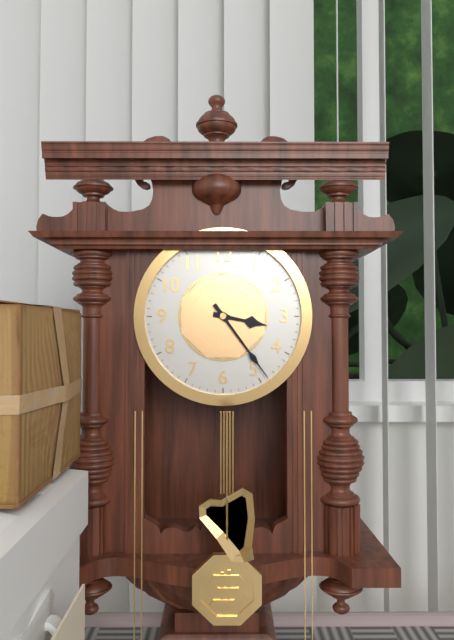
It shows {"hour": 3, "minute": 24}
